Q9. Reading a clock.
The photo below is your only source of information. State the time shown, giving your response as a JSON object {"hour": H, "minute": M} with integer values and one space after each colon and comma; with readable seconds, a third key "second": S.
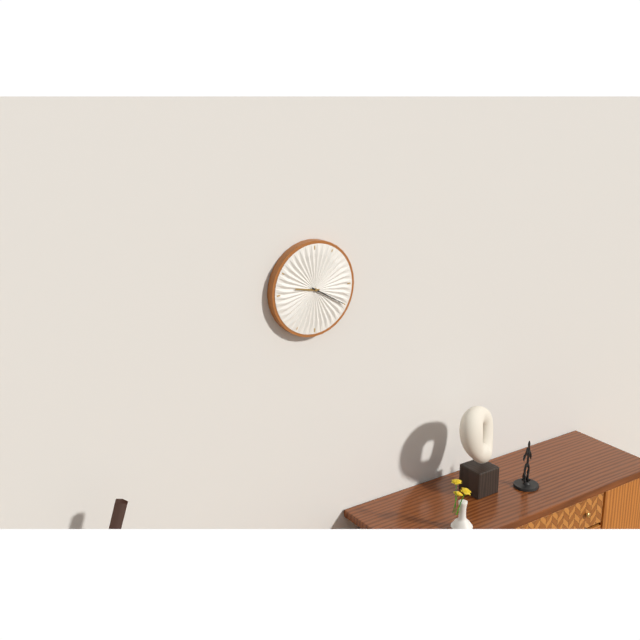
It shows {"hour": 9, "minute": 20}
